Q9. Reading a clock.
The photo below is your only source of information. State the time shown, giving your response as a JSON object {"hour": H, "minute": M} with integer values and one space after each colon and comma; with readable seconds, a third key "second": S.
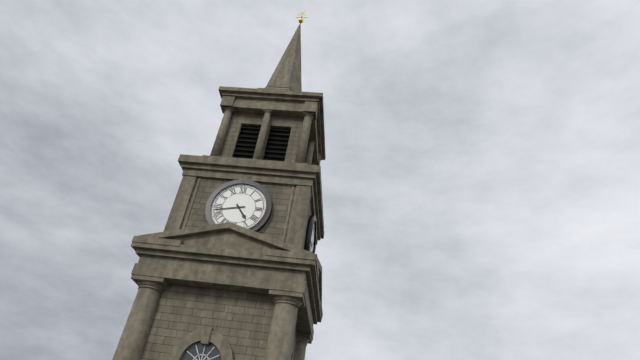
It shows {"hour": 4, "minute": 43}
